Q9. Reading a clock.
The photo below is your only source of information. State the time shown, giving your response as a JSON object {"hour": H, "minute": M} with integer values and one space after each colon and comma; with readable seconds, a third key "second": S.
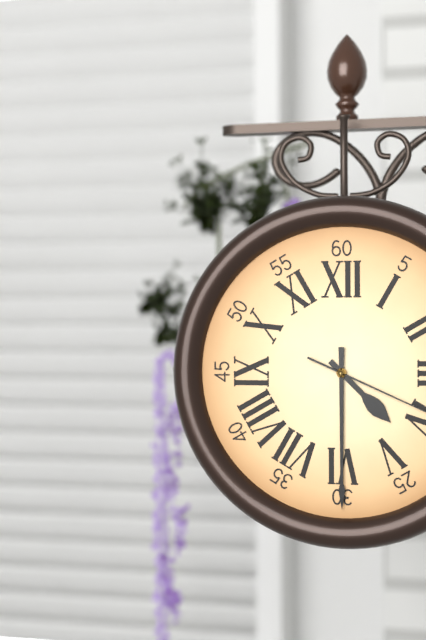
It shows {"hour": 4, "minute": 30}
